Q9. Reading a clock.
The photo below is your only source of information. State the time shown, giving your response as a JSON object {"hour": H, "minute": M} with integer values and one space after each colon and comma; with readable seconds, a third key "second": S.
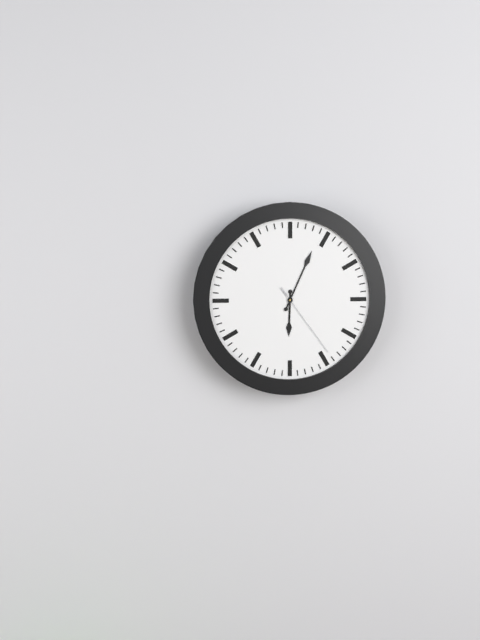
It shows {"hour": 6, "minute": 4, "second": 24}
